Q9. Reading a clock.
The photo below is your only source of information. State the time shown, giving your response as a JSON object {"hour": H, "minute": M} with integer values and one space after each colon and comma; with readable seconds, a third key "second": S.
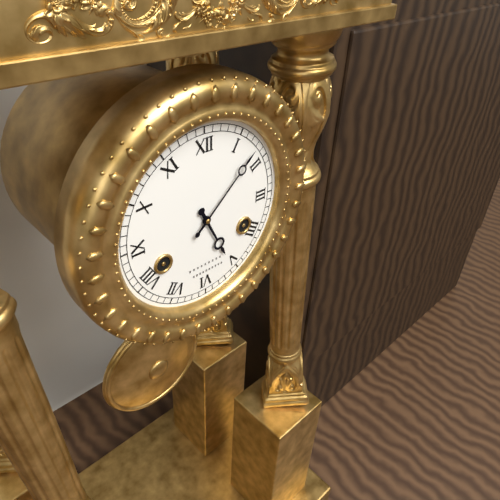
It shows {"hour": 5, "minute": 8}
